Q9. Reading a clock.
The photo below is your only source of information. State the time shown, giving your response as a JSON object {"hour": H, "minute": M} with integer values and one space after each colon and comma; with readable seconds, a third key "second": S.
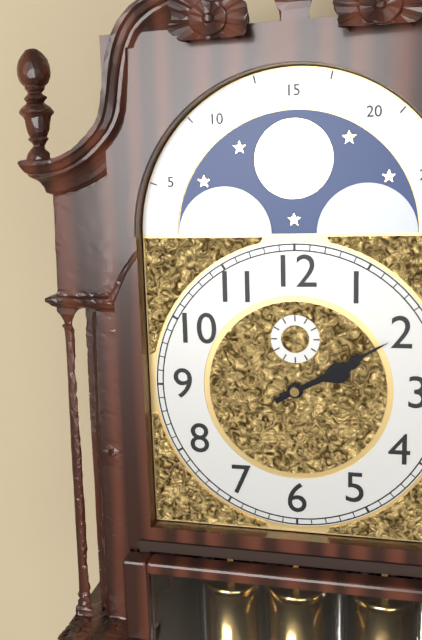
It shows {"hour": 2, "minute": 10}
